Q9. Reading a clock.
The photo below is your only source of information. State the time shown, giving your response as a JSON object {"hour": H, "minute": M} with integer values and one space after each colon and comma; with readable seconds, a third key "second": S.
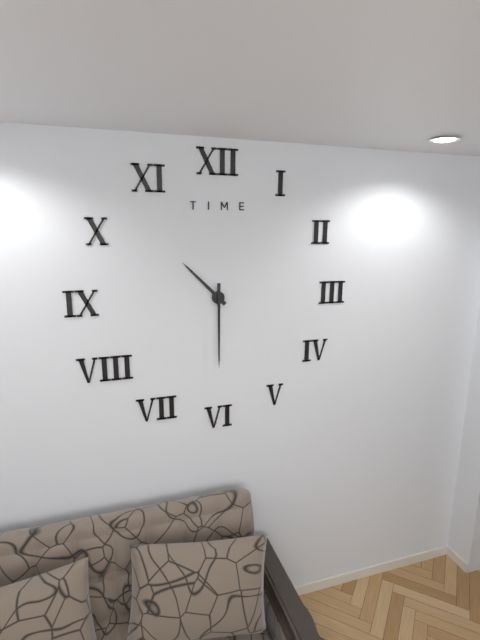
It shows {"hour": 10, "minute": 30}
